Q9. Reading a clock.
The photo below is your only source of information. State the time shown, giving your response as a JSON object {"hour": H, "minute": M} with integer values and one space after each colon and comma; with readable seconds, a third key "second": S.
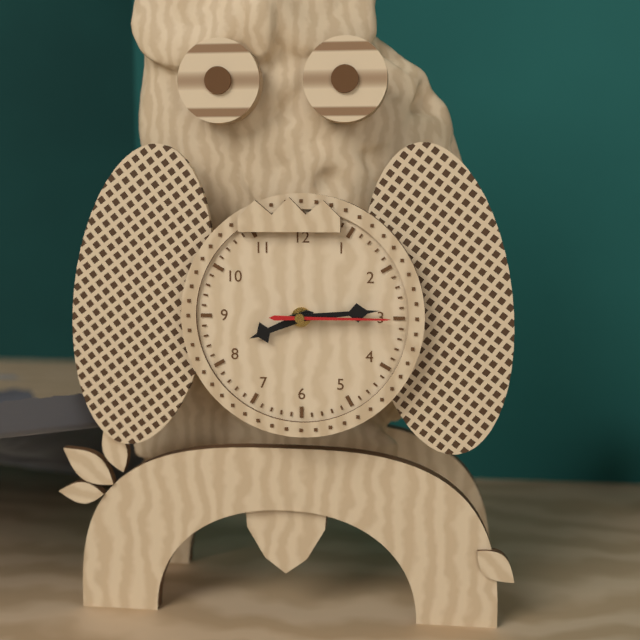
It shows {"hour": 8, "minute": 14, "second": 15}
